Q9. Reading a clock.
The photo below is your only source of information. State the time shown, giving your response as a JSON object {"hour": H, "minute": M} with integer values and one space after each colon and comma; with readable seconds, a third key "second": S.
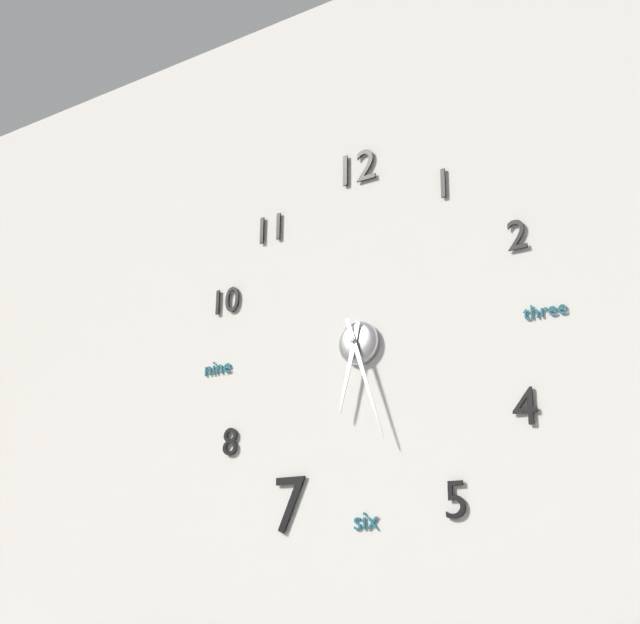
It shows {"hour": 6, "minute": 27}
